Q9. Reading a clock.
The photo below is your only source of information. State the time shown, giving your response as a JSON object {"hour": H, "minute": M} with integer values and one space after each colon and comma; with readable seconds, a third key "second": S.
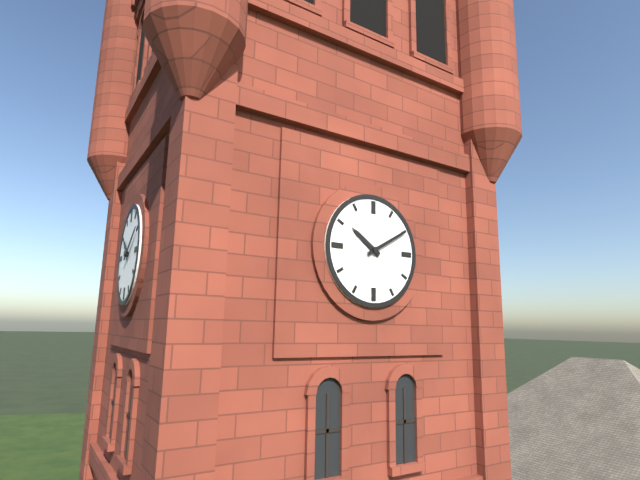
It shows {"hour": 10, "minute": 10}
